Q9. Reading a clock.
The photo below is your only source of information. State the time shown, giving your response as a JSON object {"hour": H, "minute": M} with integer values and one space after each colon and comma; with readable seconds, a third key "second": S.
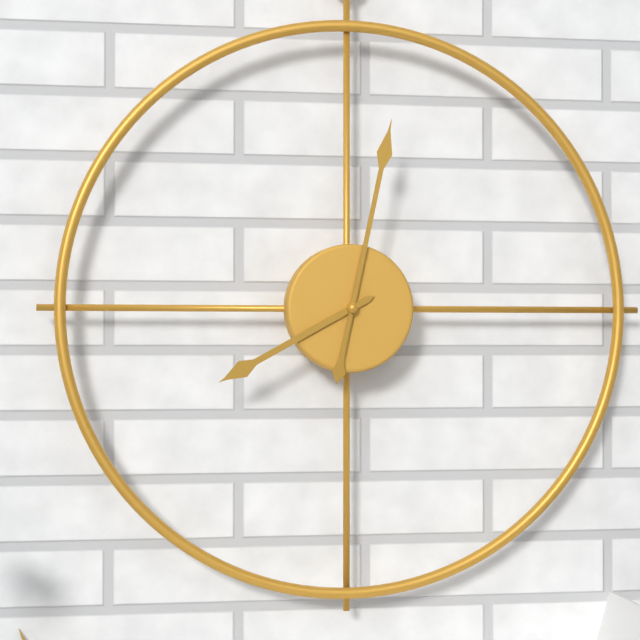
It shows {"hour": 8, "minute": 2}
